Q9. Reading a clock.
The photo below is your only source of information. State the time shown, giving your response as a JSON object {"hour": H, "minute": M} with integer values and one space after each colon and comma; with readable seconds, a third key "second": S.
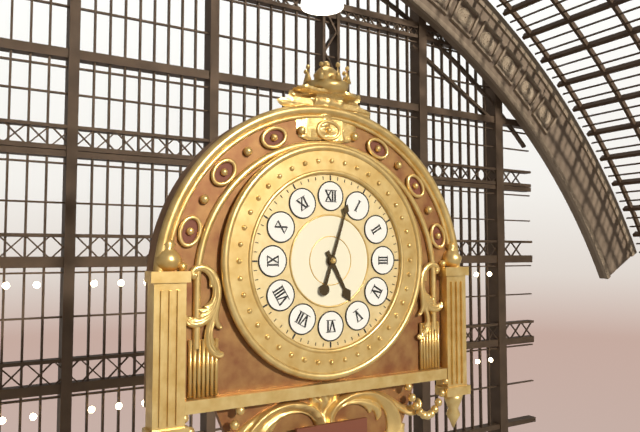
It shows {"hour": 5, "minute": 3}
